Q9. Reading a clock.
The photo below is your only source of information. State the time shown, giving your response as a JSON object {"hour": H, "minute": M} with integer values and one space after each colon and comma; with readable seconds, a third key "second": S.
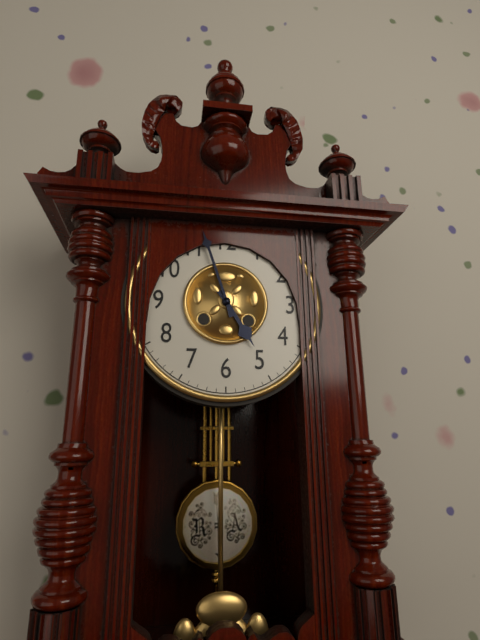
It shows {"hour": 4, "minute": 57}
